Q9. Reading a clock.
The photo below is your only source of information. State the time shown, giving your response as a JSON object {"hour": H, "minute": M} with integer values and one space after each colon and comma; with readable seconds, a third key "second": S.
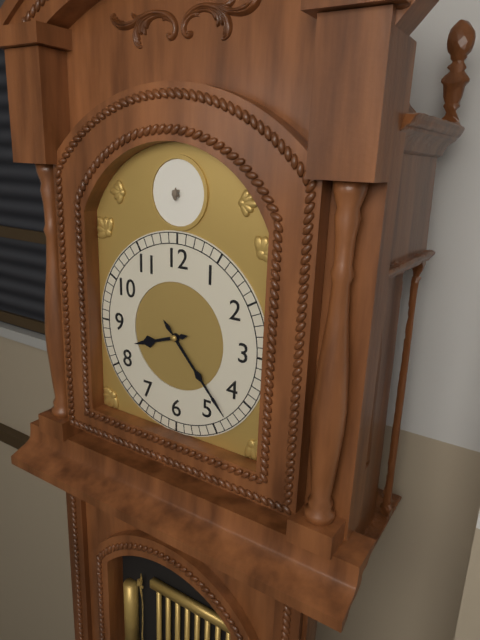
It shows {"hour": 8, "minute": 23}
